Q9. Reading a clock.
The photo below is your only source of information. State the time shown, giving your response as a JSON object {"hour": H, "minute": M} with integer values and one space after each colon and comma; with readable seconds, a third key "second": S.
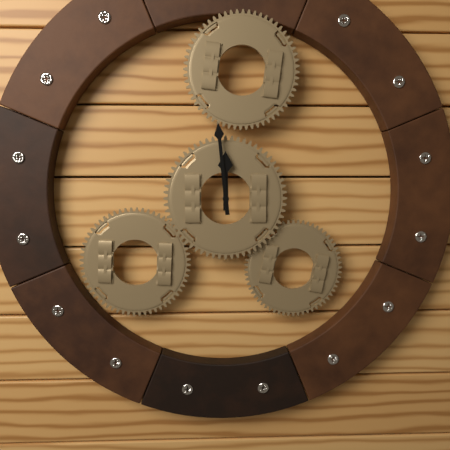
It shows {"hour": 11, "minute": 59}
